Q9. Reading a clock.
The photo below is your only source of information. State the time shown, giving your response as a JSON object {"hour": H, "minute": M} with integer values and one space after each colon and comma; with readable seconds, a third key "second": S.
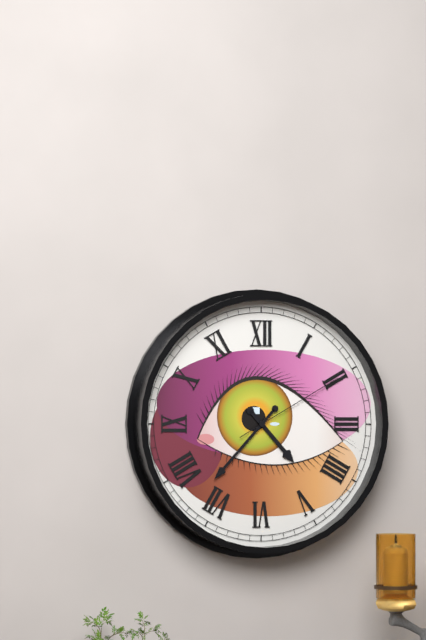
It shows {"hour": 4, "minute": 37, "second": 10}
